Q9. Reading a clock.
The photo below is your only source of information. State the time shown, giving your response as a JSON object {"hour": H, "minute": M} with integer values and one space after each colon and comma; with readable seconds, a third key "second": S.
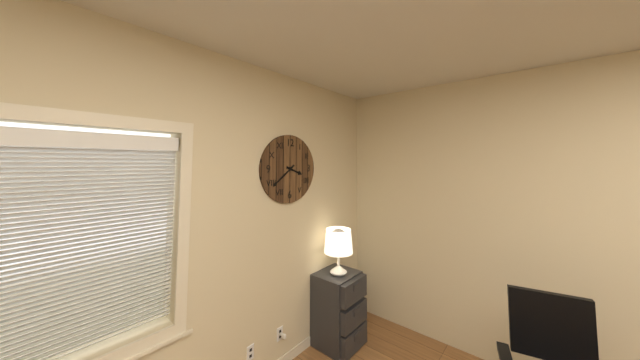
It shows {"hour": 3, "minute": 39}
